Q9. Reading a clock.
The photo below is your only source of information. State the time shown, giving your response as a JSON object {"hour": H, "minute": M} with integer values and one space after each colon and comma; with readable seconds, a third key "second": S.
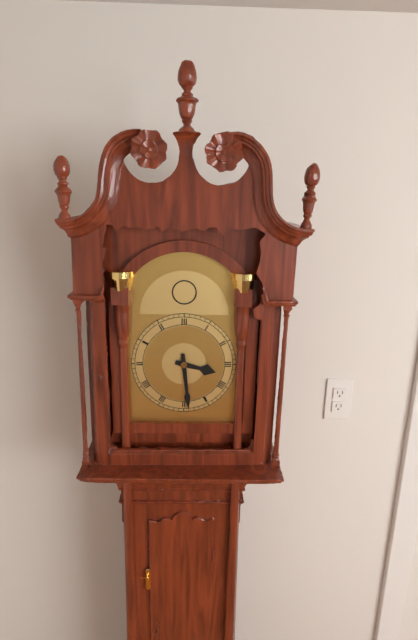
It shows {"hour": 3, "minute": 29}
